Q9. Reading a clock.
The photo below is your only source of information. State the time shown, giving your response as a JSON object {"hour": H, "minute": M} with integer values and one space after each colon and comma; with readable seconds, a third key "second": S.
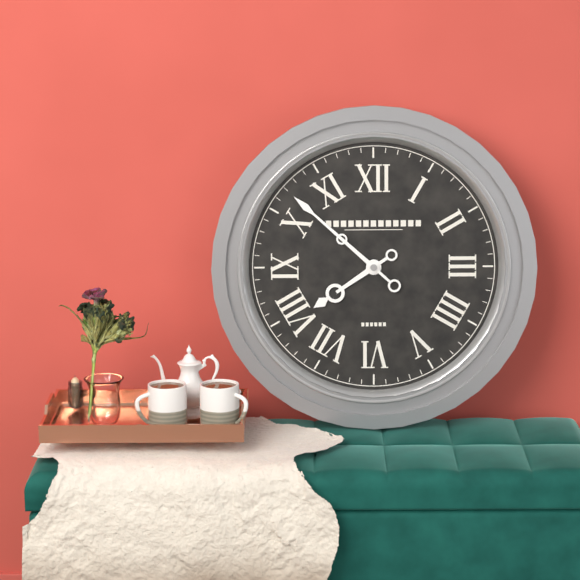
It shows {"hour": 7, "minute": 52}
